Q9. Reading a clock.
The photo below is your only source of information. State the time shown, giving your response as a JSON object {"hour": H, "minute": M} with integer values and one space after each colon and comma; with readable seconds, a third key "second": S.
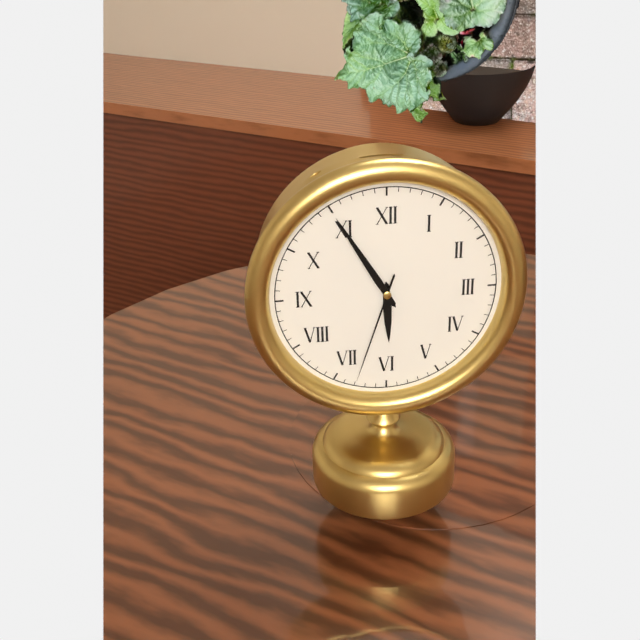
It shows {"hour": 5, "minute": 55, "second": 33}
